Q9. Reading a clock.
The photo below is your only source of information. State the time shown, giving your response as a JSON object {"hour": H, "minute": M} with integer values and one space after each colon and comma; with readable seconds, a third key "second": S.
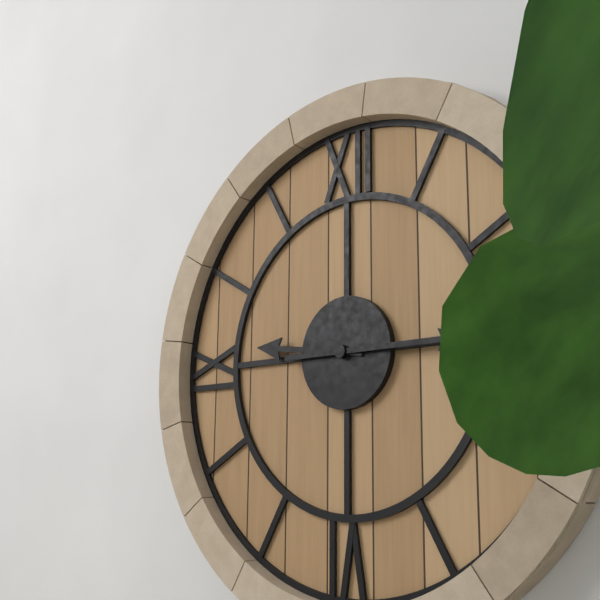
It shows {"hour": 9, "minute": 15}
